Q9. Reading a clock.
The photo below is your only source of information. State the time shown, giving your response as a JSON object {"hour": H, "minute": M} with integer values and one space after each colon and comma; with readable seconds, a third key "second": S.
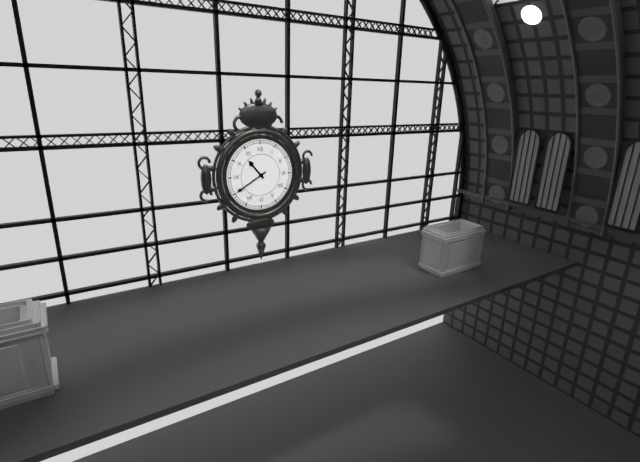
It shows {"hour": 10, "minute": 40}
